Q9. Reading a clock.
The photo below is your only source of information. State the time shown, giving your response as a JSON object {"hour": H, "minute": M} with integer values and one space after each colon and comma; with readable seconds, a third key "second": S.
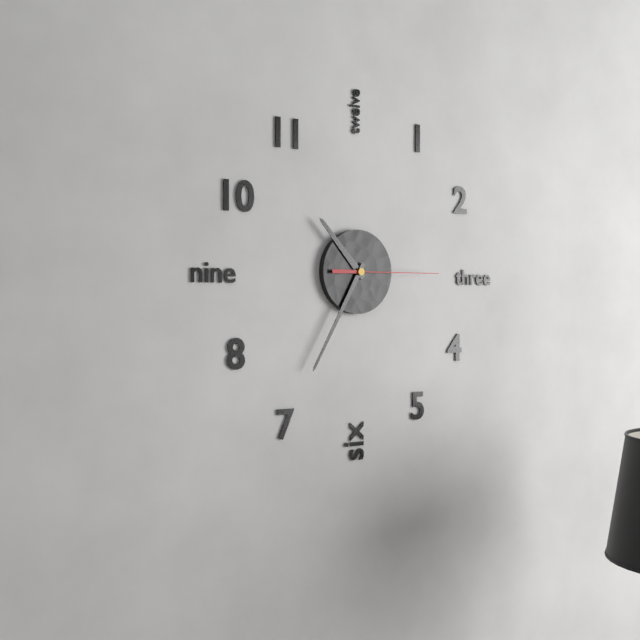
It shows {"hour": 10, "minute": 35, "second": 15}
